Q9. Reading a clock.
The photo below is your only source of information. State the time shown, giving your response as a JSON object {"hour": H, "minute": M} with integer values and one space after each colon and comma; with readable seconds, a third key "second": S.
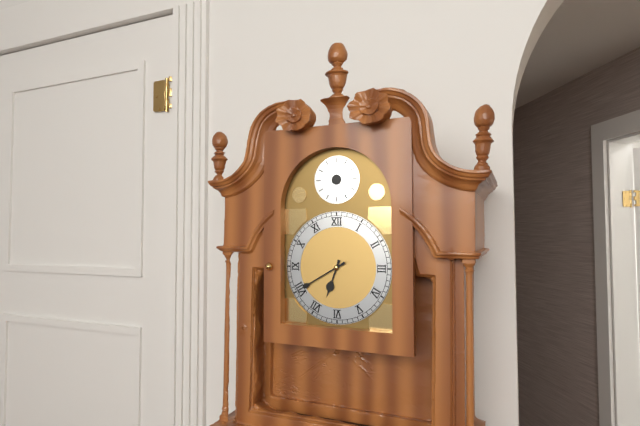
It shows {"hour": 6, "minute": 40}
